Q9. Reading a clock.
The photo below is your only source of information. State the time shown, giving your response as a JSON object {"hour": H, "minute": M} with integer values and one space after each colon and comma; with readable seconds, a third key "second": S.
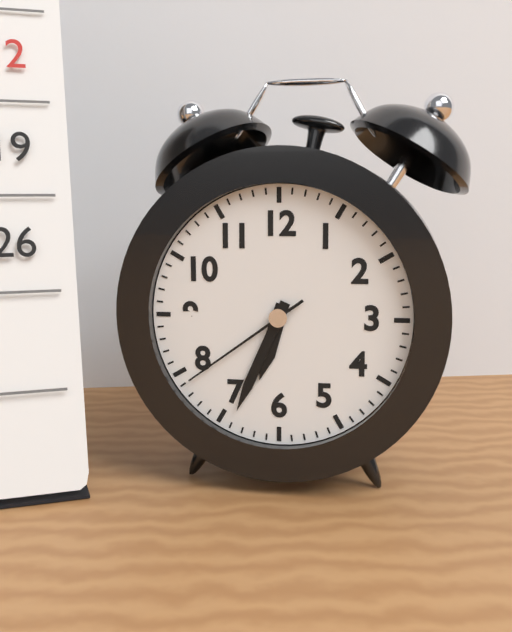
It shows {"hour": 6, "minute": 34, "second": 39}
